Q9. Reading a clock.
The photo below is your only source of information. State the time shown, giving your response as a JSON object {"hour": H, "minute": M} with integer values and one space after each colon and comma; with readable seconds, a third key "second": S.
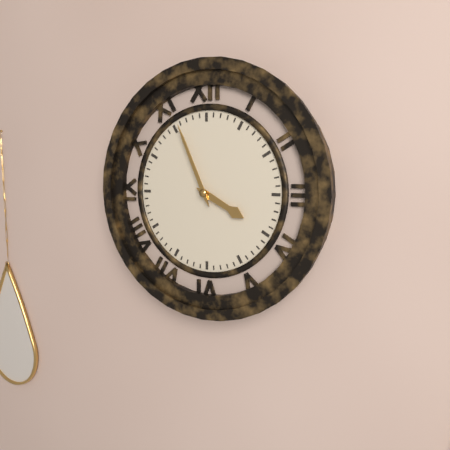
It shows {"hour": 3, "minute": 56}
